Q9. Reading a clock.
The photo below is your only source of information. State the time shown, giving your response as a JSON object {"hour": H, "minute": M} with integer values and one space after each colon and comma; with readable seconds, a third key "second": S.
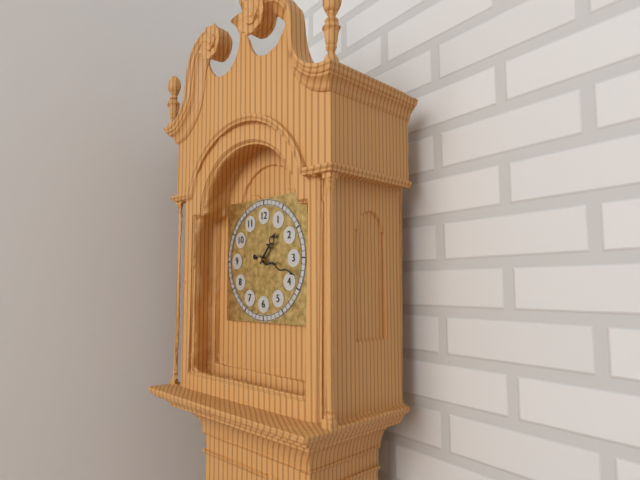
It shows {"hour": 1, "minute": 18}
